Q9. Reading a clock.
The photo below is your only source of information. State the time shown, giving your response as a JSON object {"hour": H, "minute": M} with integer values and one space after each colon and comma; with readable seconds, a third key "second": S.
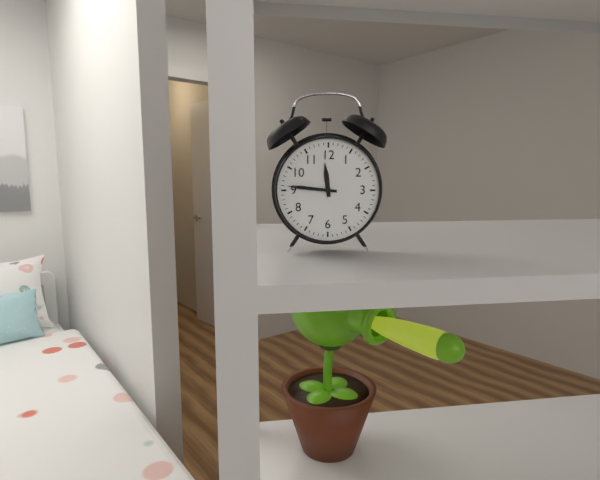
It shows {"hour": 11, "minute": 46}
